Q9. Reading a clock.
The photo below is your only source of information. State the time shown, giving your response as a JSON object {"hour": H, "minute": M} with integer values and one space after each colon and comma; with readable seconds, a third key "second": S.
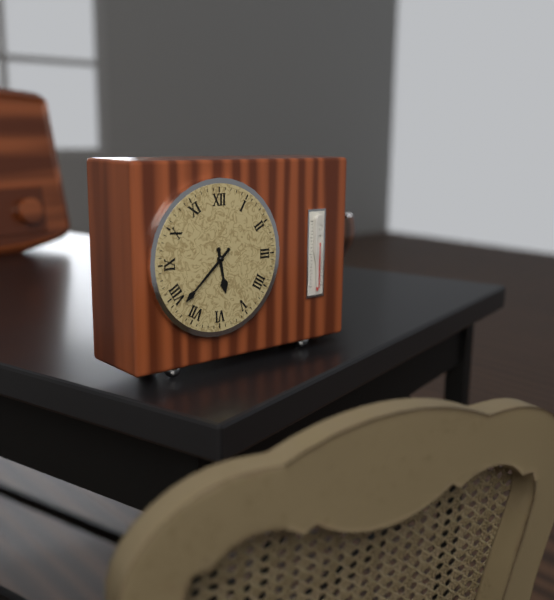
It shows {"hour": 5, "minute": 38}
